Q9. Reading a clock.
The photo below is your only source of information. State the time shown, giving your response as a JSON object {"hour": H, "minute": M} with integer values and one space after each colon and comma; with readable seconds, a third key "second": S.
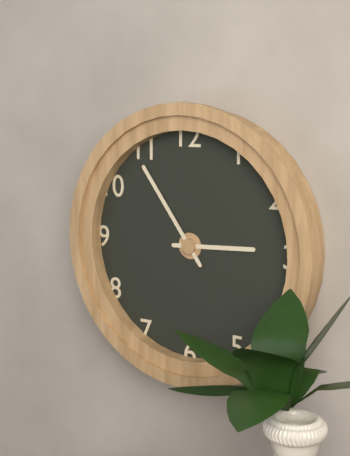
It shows {"hour": 2, "minute": 54}
